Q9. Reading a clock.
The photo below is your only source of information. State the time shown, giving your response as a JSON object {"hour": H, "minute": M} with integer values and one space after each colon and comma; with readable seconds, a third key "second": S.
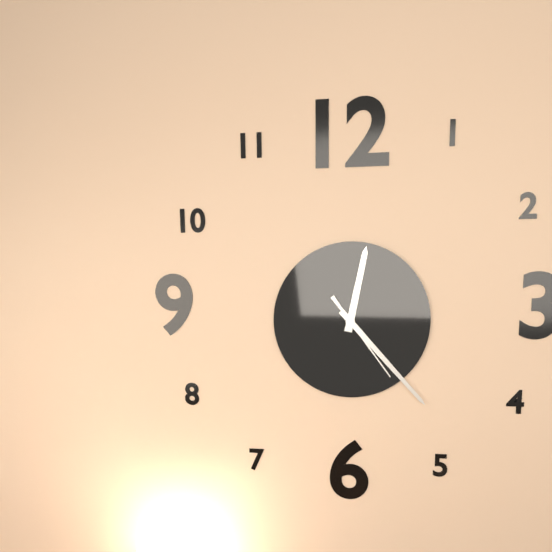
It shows {"hour": 12, "minute": 23, "second": 24}
